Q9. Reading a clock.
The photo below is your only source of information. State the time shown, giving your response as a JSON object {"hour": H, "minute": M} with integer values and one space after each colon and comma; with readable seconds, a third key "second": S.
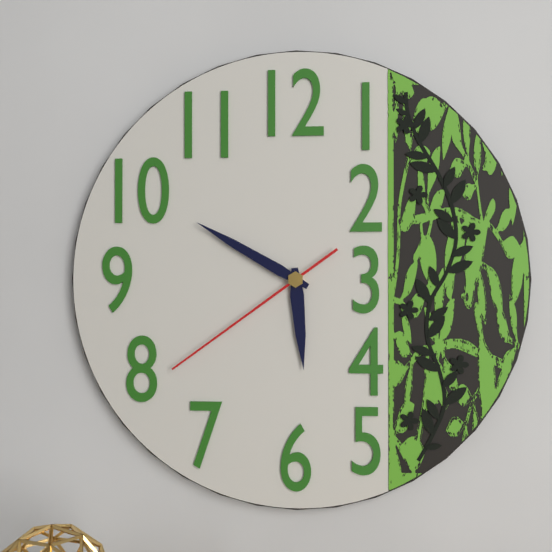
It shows {"hour": 5, "minute": 50, "second": 39}
